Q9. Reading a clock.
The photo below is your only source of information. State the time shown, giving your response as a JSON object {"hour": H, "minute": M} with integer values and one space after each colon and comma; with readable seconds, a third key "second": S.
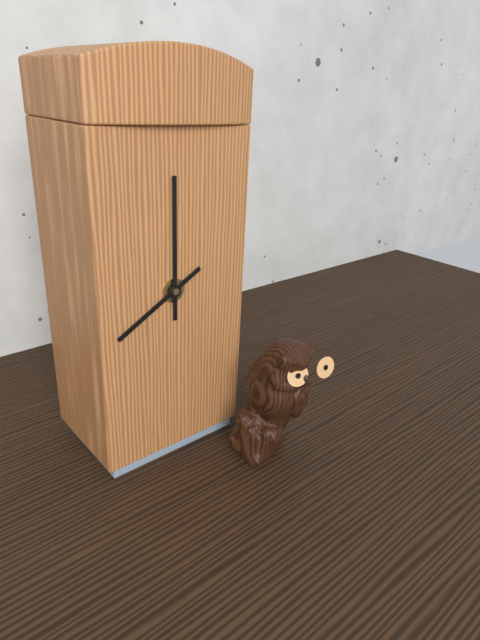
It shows {"hour": 8, "minute": 0}
